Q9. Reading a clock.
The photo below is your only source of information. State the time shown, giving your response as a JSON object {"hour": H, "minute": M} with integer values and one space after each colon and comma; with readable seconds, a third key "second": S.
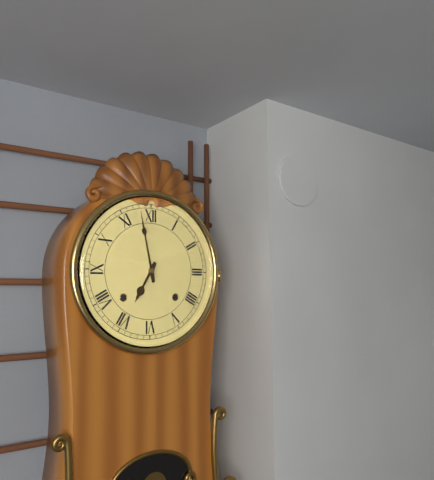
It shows {"hour": 6, "minute": 58}
